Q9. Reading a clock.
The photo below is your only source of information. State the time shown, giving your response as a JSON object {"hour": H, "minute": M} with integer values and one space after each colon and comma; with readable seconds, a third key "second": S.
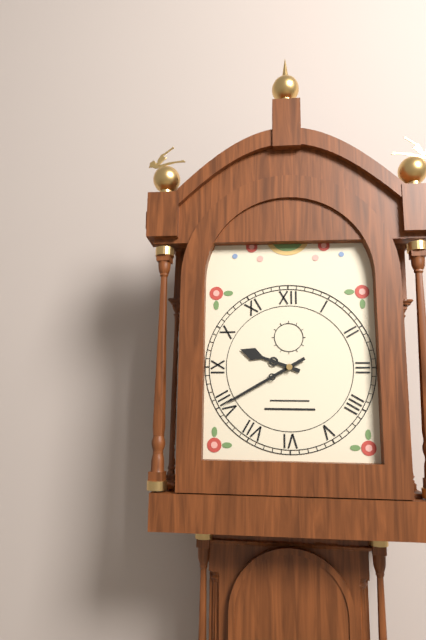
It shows {"hour": 9, "minute": 40}
